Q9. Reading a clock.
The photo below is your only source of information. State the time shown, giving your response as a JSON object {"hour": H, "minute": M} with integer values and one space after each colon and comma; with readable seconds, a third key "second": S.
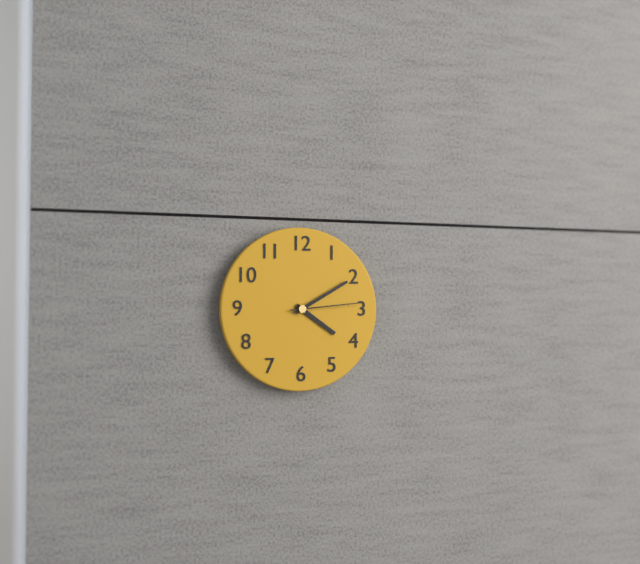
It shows {"hour": 4, "minute": 10, "second": 14}
